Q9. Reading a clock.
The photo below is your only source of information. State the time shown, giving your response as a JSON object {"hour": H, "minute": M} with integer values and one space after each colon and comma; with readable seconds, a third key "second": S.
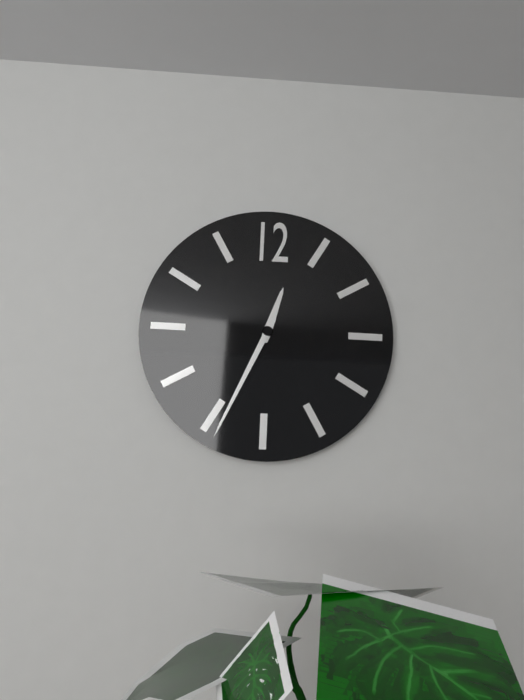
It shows {"hour": 12, "minute": 34}
